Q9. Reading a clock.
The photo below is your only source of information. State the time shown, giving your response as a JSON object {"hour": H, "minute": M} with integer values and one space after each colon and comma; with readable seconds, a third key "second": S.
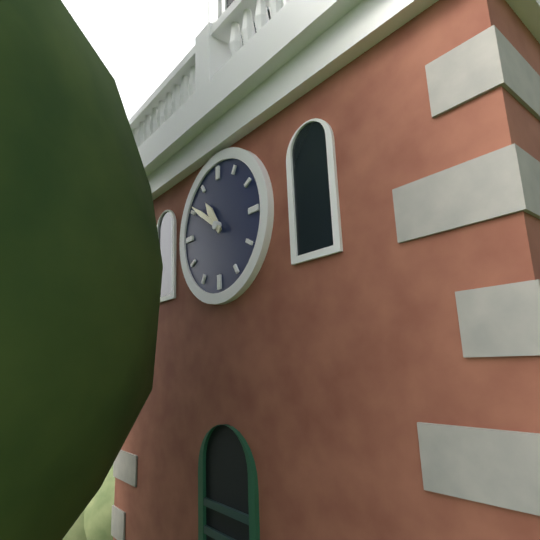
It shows {"hour": 10, "minute": 51}
